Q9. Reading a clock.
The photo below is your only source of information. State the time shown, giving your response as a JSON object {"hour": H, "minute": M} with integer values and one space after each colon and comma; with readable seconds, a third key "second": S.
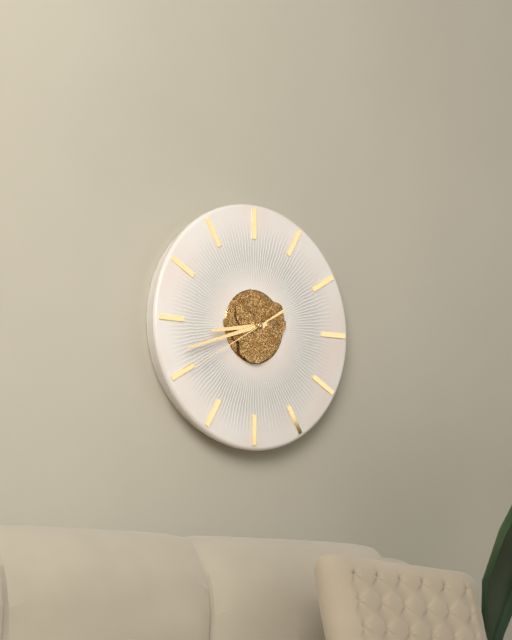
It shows {"hour": 8, "minute": 42, "second": 40}
